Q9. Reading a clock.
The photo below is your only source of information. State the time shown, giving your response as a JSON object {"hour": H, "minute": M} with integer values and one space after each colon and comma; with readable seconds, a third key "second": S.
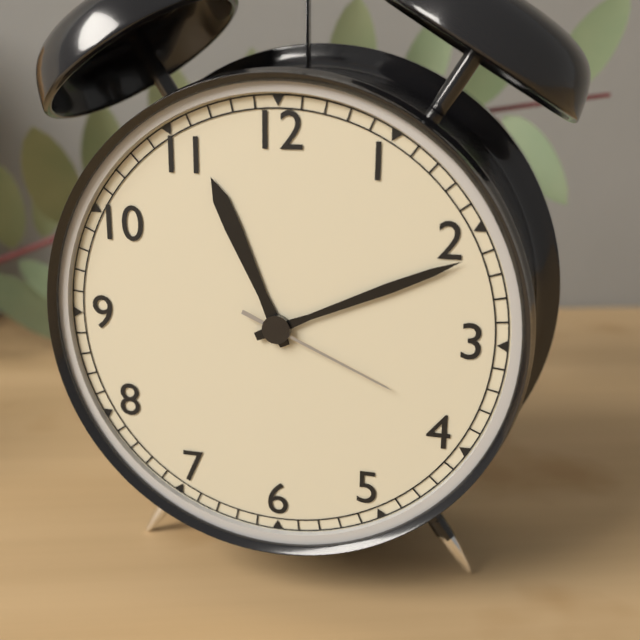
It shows {"hour": 11, "minute": 11, "second": 19}
